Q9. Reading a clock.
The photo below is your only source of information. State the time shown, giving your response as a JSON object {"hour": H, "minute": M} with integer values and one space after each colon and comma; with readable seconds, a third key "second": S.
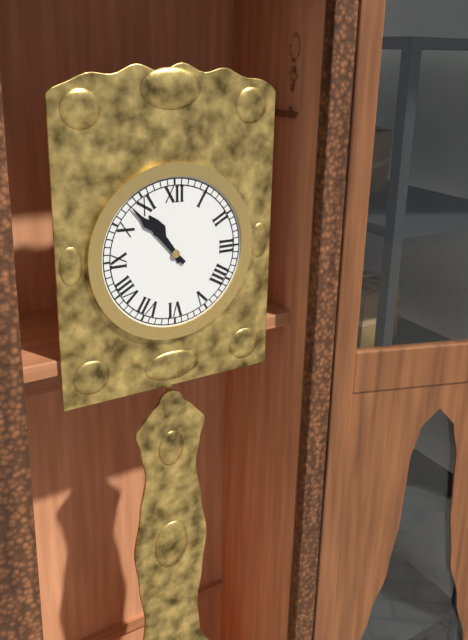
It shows {"hour": 10, "minute": 53}
